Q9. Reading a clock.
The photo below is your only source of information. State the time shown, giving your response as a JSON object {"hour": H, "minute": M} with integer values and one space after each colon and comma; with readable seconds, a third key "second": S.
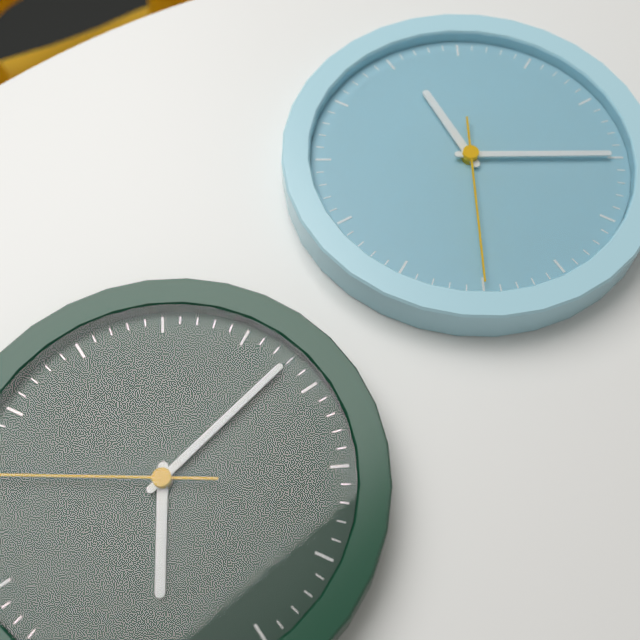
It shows {"hour": 5, "minute": 3}
